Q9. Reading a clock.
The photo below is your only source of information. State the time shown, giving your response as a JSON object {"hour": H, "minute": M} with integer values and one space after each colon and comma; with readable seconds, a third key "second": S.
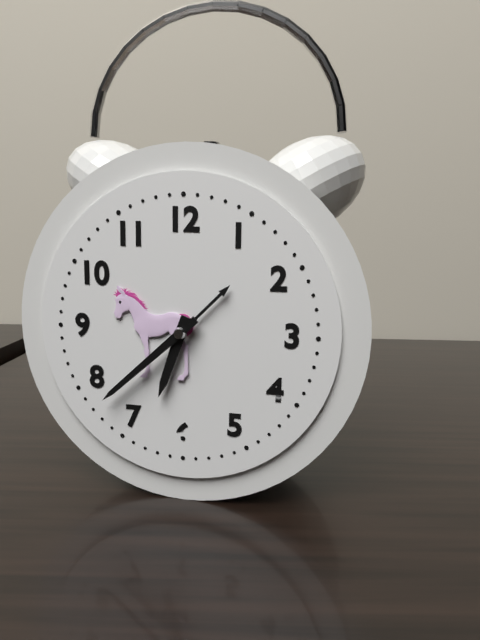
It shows {"hour": 6, "minute": 38}
